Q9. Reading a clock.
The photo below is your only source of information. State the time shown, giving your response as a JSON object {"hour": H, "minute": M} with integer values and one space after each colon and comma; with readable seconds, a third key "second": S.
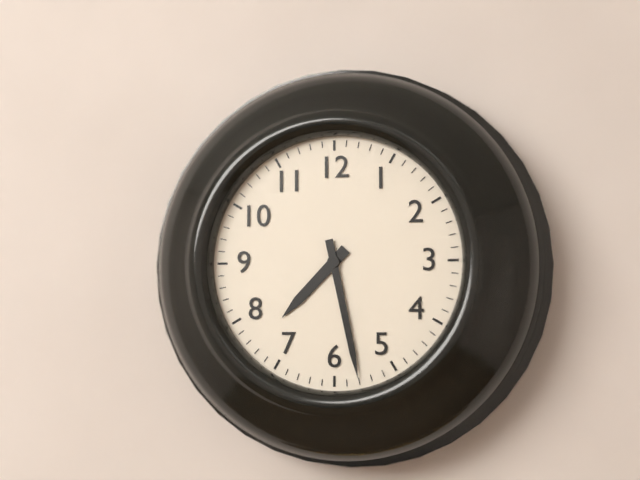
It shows {"hour": 7, "minute": 28}
